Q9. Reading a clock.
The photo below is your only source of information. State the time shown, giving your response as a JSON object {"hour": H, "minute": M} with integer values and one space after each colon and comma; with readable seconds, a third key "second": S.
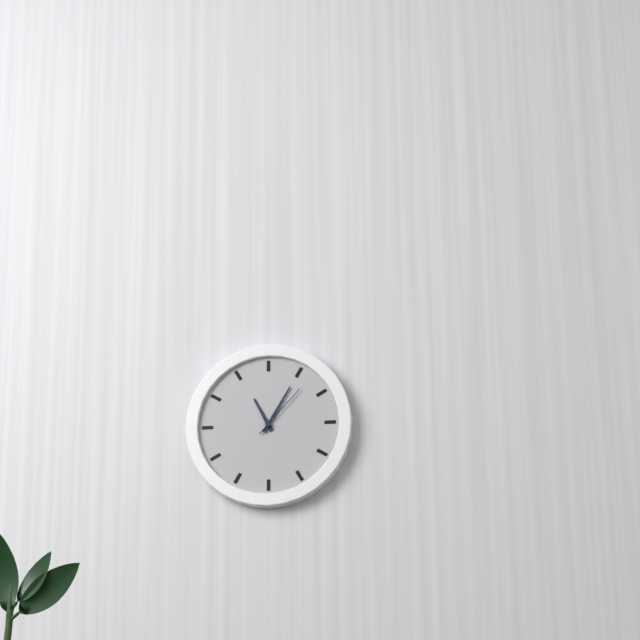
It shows {"hour": 11, "minute": 5, "second": 7}
